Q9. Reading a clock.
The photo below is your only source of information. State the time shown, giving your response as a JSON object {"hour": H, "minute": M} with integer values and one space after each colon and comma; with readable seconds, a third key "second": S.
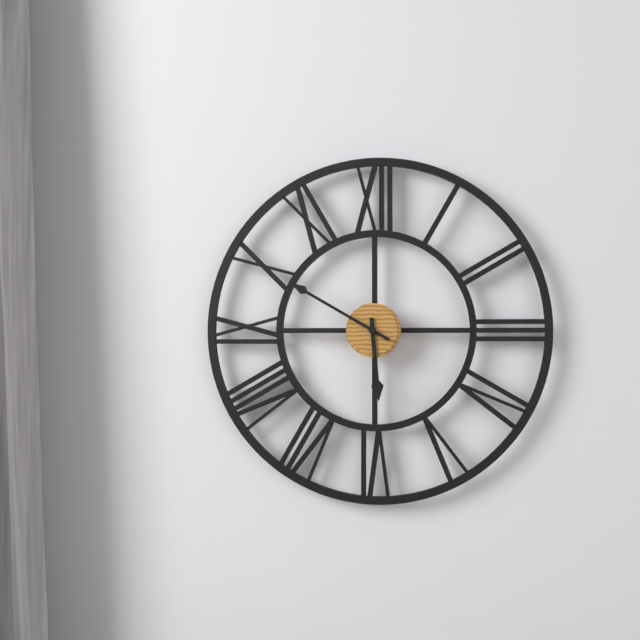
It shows {"hour": 5, "minute": 50}
